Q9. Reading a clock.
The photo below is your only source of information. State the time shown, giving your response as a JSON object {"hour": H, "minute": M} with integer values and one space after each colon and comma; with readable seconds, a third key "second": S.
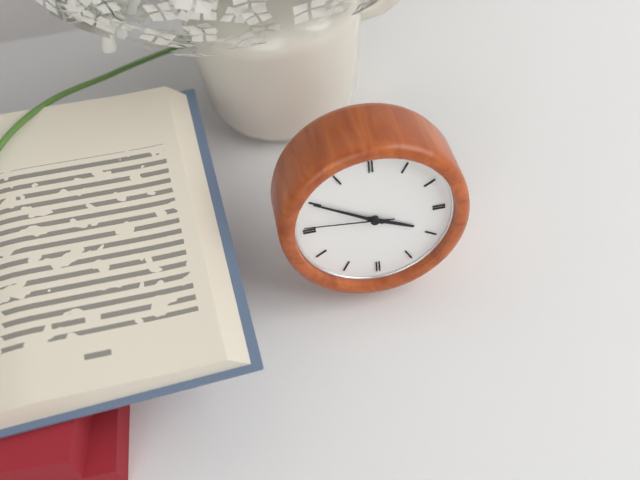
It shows {"hour": 3, "minute": 50, "second": 46}
